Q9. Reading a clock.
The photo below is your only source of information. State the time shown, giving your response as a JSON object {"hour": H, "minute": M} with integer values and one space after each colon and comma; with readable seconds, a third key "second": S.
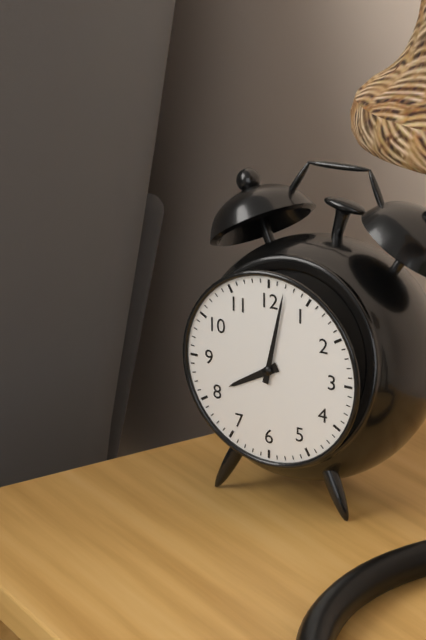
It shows {"hour": 8, "minute": 2}
